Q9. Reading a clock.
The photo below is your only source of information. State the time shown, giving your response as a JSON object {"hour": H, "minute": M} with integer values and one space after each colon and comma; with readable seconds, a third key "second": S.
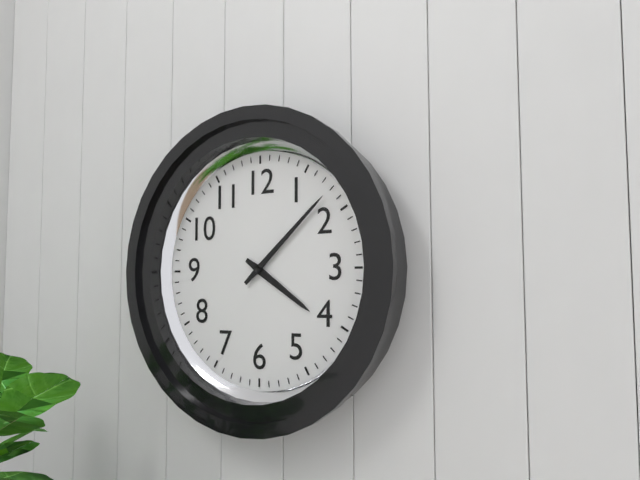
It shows {"hour": 4, "minute": 8}
